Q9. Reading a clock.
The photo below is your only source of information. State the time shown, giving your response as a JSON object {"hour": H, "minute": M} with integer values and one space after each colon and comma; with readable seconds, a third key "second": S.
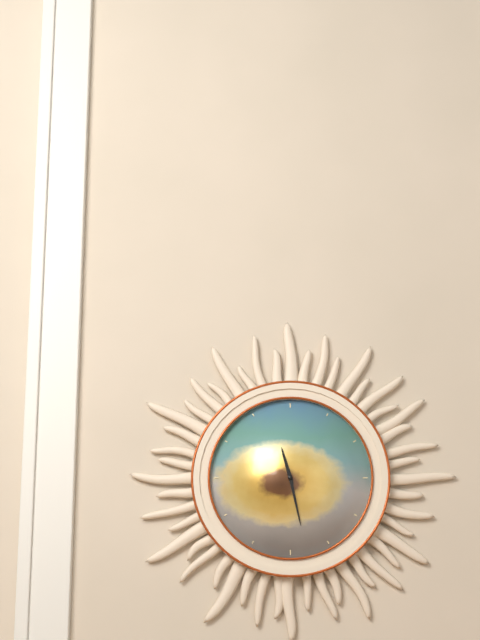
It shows {"hour": 11, "minute": 28}
